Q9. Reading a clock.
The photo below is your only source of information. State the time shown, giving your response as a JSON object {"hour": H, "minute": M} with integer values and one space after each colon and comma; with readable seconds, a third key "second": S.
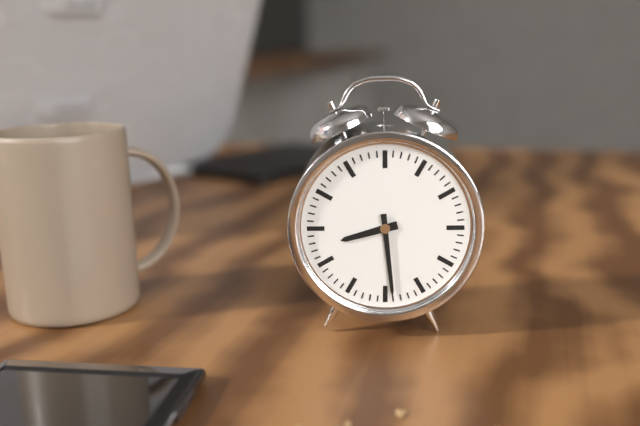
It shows {"hour": 8, "minute": 29}
